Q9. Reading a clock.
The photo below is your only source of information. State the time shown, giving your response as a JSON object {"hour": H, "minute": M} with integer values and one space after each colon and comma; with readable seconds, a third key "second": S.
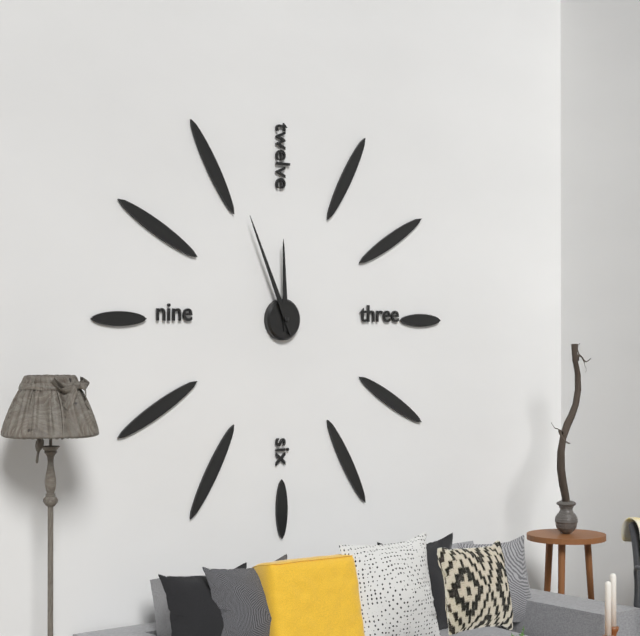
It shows {"hour": 11, "minute": 56}
